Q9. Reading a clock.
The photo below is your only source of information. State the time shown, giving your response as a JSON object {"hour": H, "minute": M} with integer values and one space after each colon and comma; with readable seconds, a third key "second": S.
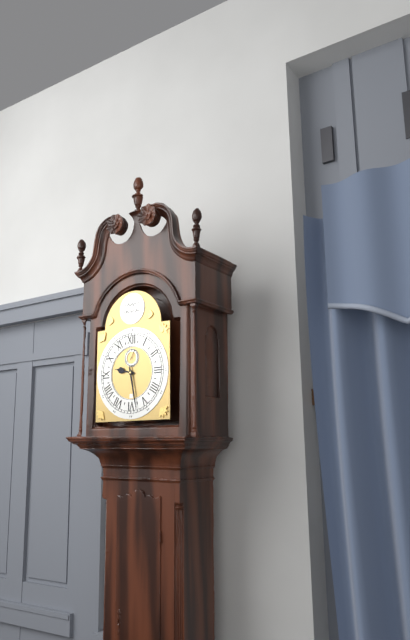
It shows {"hour": 9, "minute": 28}
